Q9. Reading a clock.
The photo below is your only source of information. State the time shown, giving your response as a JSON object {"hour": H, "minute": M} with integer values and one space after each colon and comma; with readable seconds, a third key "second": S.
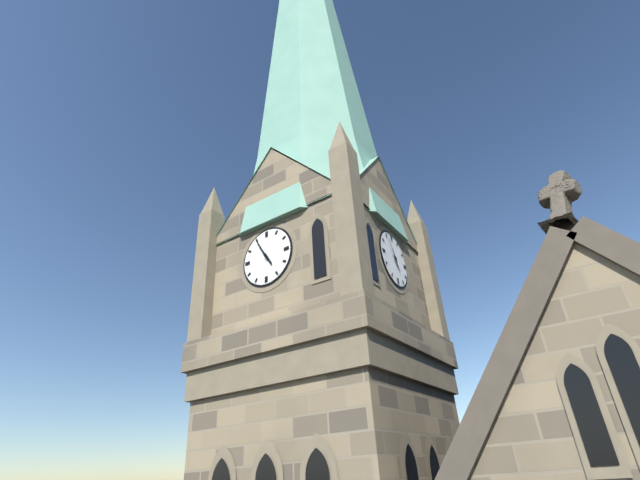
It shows {"hour": 4, "minute": 55}
